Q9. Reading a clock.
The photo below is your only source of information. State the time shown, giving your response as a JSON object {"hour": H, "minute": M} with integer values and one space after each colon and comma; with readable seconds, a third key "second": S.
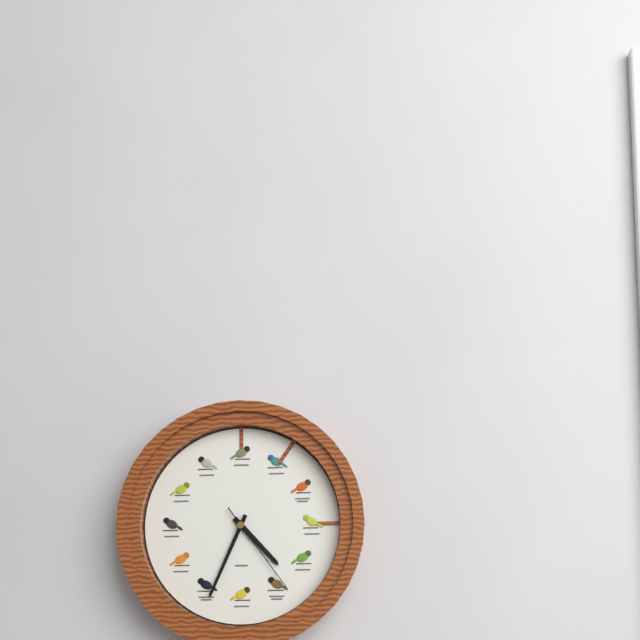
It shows {"hour": 4, "minute": 34, "second": 24}
